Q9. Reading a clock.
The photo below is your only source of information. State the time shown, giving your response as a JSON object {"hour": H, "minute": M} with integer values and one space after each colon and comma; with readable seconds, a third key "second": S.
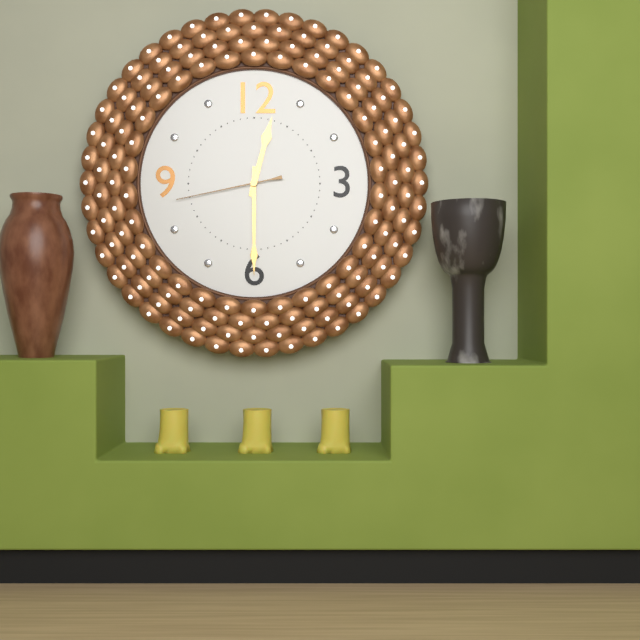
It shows {"hour": 12, "minute": 30, "second": 43}
